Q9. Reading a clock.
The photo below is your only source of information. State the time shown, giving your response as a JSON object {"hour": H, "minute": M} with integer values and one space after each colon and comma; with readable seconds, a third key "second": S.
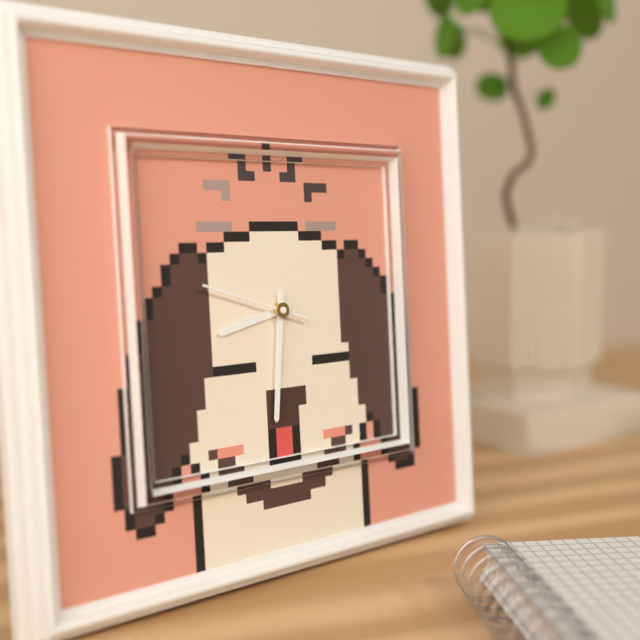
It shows {"hour": 8, "minute": 31, "second": 48}
